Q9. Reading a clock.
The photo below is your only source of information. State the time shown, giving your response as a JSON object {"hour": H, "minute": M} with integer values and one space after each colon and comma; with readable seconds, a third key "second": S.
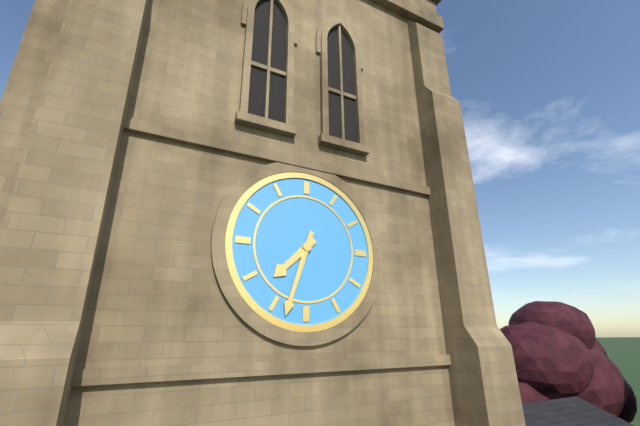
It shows {"hour": 7, "minute": 33}
